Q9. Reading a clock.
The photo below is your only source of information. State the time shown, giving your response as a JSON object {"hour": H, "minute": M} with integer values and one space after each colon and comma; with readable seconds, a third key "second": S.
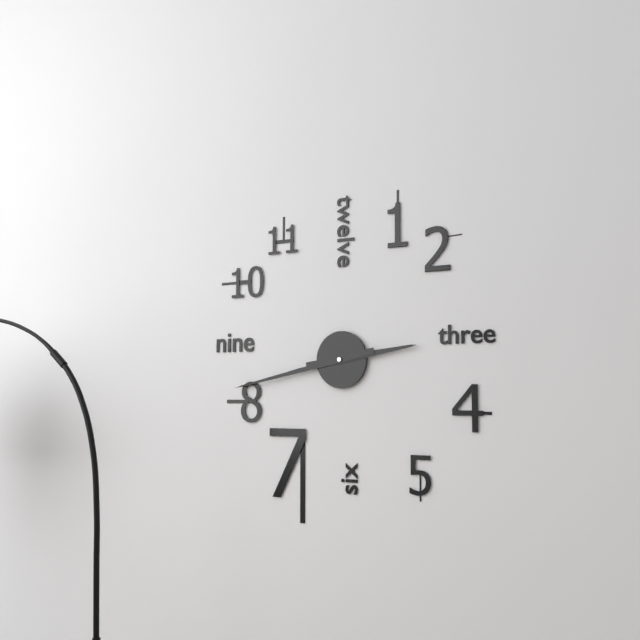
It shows {"hour": 2, "minute": 43}
